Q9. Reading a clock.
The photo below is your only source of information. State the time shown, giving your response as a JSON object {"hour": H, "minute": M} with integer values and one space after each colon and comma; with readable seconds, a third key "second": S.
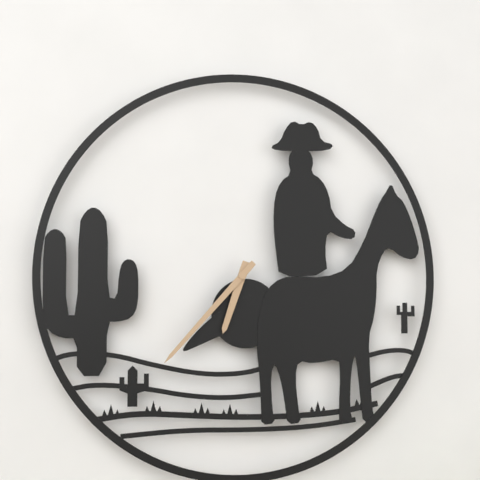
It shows {"hour": 6, "minute": 37}
